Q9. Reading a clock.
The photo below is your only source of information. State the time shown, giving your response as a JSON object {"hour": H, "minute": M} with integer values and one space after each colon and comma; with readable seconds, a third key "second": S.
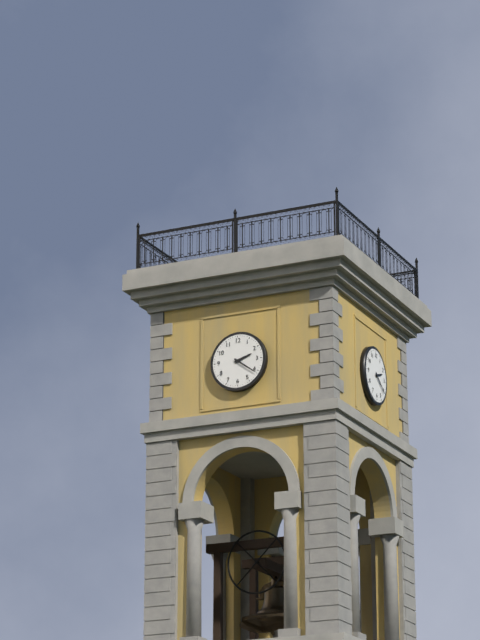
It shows {"hour": 2, "minute": 21}
